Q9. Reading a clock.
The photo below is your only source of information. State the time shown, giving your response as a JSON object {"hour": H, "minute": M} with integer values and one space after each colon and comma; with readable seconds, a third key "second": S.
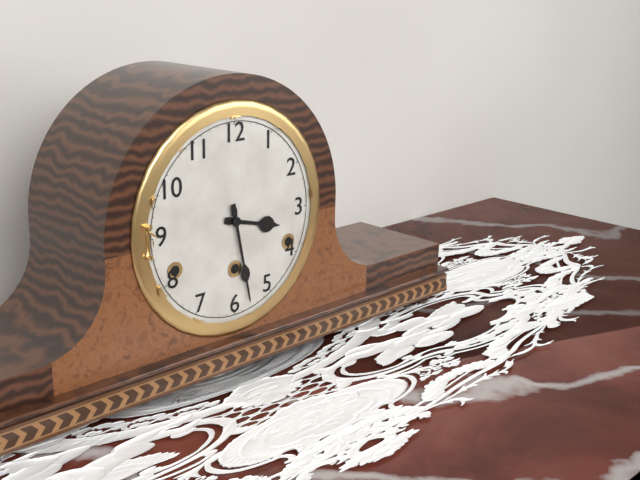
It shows {"hour": 3, "minute": 28}
